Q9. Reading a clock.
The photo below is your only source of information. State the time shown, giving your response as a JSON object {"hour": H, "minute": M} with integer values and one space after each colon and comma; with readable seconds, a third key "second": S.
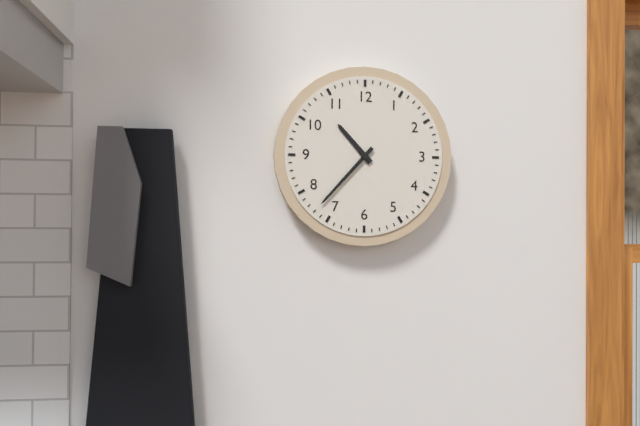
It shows {"hour": 10, "minute": 37}
